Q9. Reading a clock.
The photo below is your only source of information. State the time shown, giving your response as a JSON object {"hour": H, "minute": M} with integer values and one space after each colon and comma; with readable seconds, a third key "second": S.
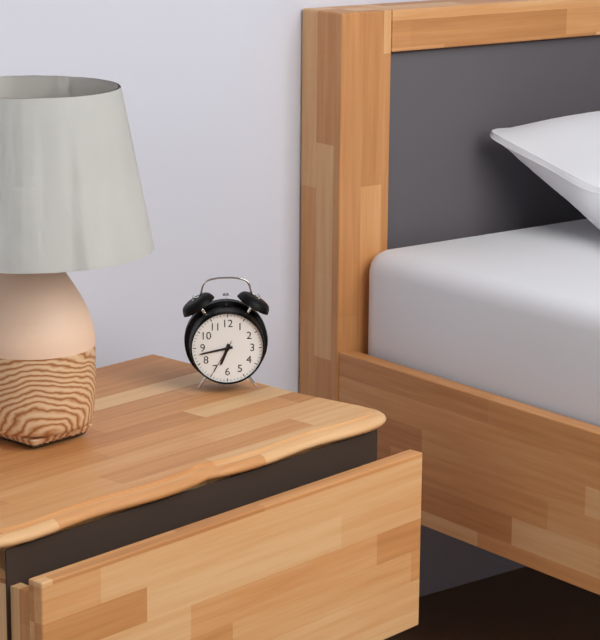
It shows {"hour": 6, "minute": 43}
